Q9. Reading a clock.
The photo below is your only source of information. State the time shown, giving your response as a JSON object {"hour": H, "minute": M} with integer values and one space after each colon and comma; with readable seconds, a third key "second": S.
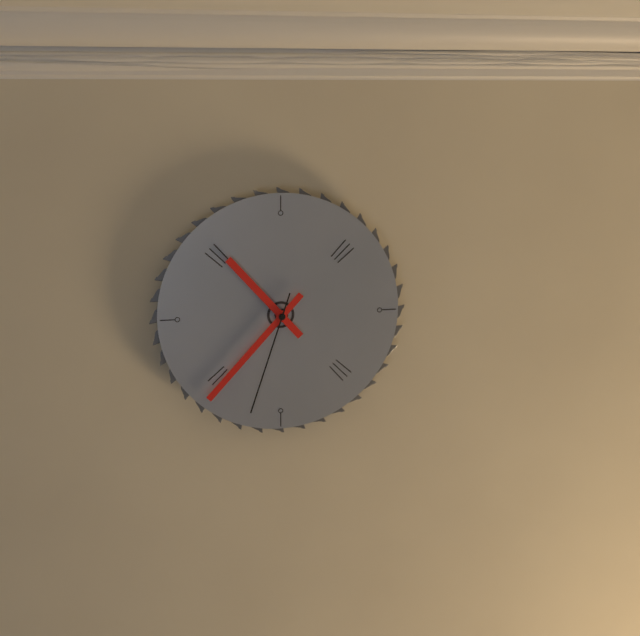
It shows {"hour": 10, "minute": 37, "second": 33}
